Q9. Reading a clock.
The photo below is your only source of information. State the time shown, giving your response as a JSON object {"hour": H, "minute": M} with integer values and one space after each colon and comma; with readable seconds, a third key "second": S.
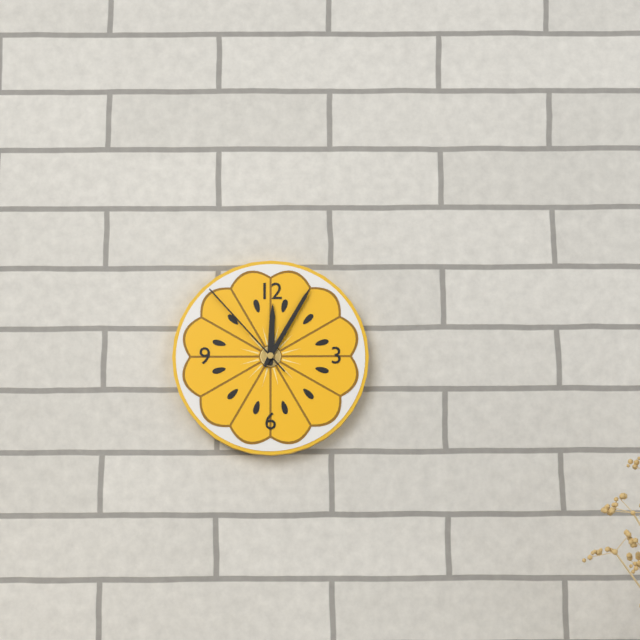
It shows {"hour": 12, "minute": 5, "second": 53}
